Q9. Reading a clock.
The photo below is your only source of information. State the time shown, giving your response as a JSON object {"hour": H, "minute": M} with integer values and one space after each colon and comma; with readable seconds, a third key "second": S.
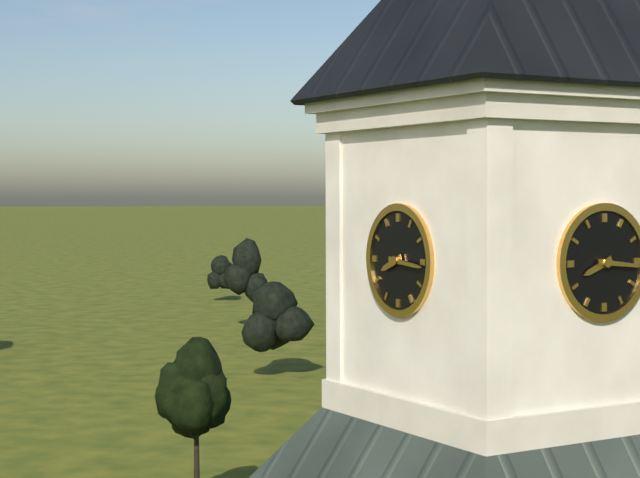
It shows {"hour": 8, "minute": 16}
